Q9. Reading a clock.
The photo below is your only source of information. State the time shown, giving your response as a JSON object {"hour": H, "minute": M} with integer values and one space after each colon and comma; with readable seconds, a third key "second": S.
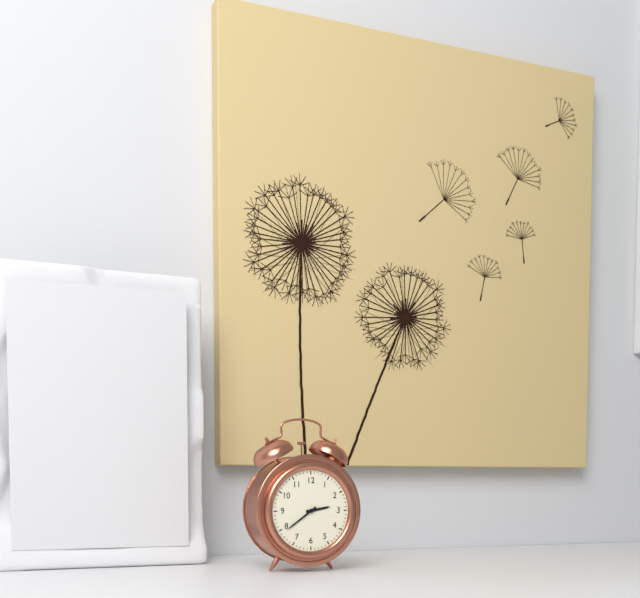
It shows {"hour": 2, "minute": 39}
